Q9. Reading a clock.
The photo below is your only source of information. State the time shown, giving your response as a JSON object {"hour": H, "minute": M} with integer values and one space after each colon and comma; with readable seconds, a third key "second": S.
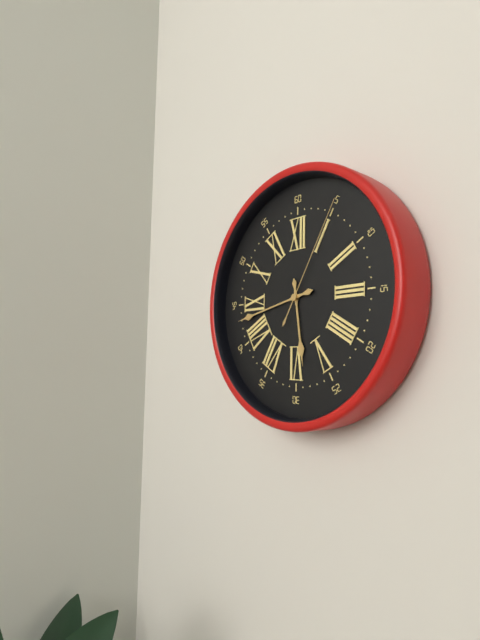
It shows {"hour": 5, "minute": 43, "second": 5}
